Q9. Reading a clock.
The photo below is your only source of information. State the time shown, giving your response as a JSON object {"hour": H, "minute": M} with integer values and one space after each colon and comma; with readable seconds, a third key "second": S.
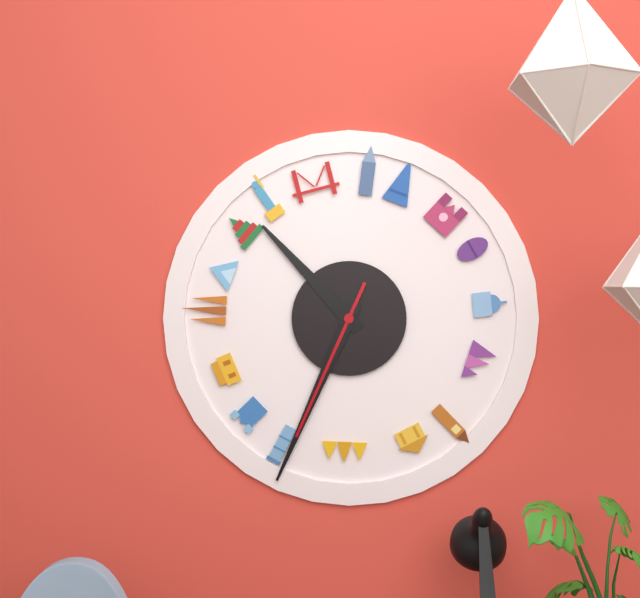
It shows {"hour": 10, "minute": 34, "second": 34}
